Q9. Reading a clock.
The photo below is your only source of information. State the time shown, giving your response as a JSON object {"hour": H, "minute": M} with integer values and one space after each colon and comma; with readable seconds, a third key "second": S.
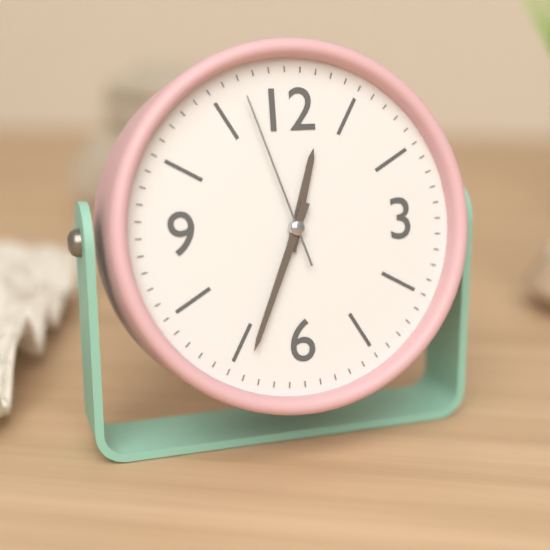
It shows {"hour": 12, "minute": 34, "second": 57}
